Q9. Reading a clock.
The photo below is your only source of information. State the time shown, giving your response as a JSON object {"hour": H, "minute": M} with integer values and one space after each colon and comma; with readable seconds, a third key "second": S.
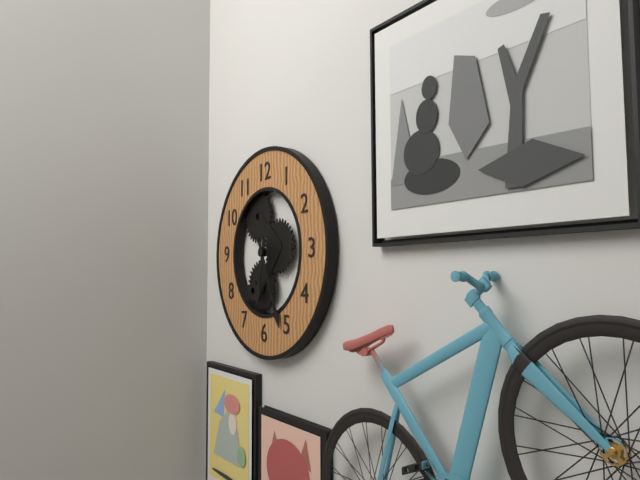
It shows {"hour": 6, "minute": 26}
